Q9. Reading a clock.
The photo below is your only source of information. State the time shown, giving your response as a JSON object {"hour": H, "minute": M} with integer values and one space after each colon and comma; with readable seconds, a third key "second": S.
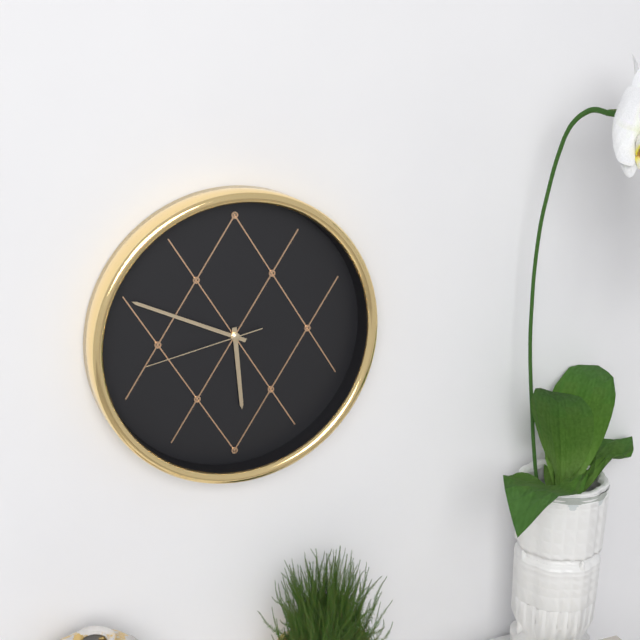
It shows {"hour": 5, "minute": 49, "second": 43}
